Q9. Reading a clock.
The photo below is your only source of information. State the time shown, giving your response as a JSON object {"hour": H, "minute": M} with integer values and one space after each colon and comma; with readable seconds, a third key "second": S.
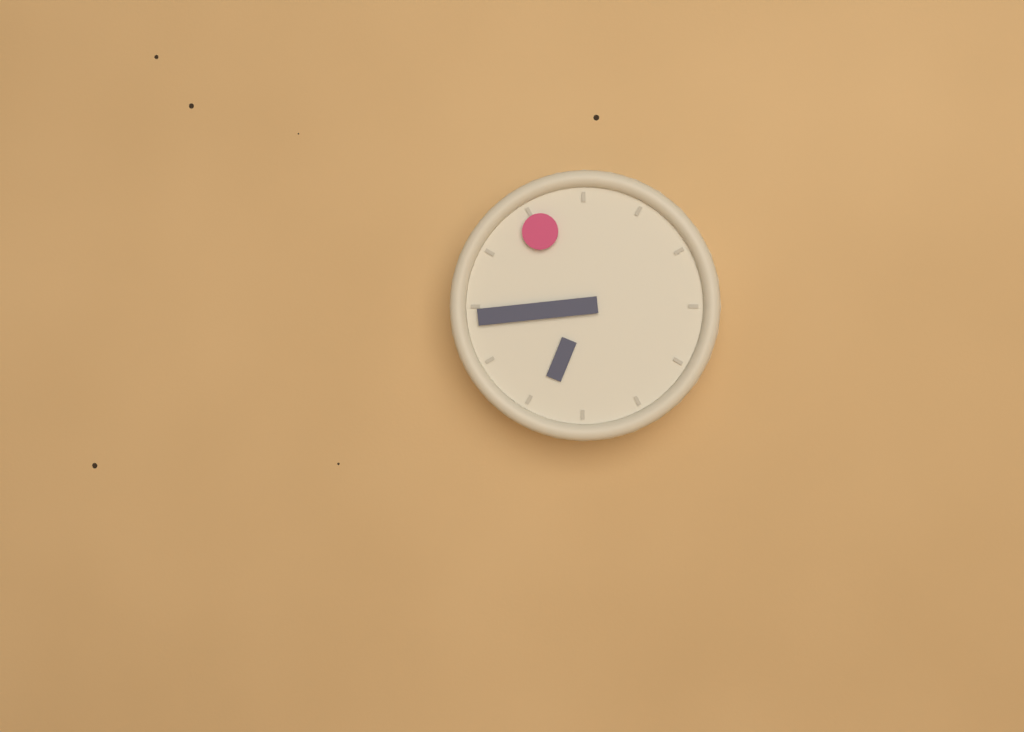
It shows {"hour": 6, "minute": 44, "second": 55}
